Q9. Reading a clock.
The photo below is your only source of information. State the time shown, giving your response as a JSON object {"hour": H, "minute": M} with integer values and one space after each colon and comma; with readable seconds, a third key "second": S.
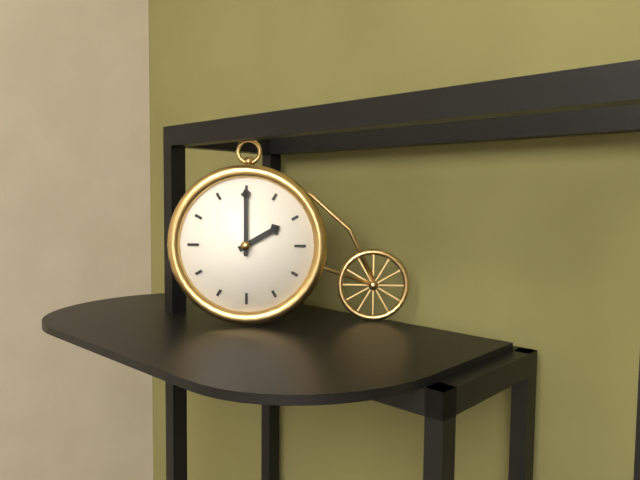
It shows {"hour": 2, "minute": 0}
